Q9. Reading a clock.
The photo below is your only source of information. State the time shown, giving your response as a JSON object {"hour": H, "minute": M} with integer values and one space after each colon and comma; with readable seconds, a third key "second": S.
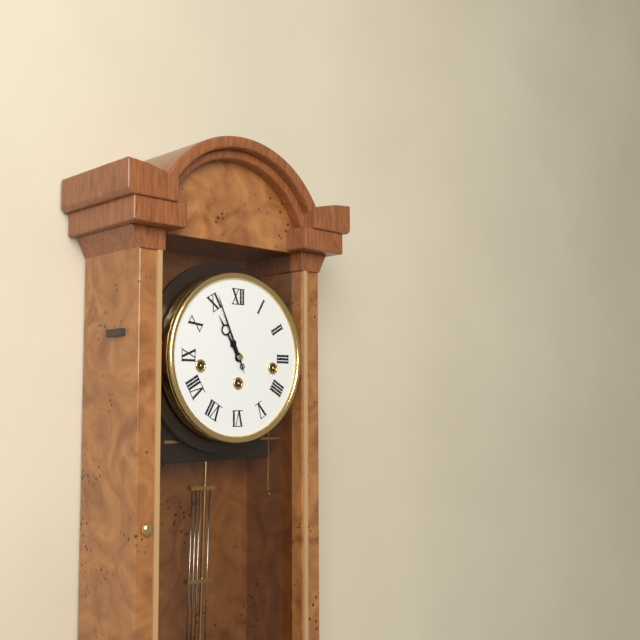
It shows {"hour": 10, "minute": 56}
